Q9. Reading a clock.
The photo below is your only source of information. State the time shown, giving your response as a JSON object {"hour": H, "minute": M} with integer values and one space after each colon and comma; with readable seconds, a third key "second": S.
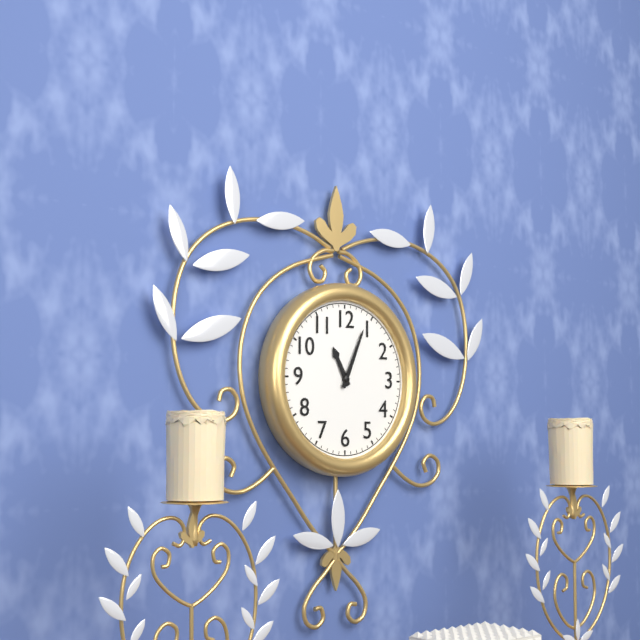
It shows {"hour": 11, "minute": 4}
